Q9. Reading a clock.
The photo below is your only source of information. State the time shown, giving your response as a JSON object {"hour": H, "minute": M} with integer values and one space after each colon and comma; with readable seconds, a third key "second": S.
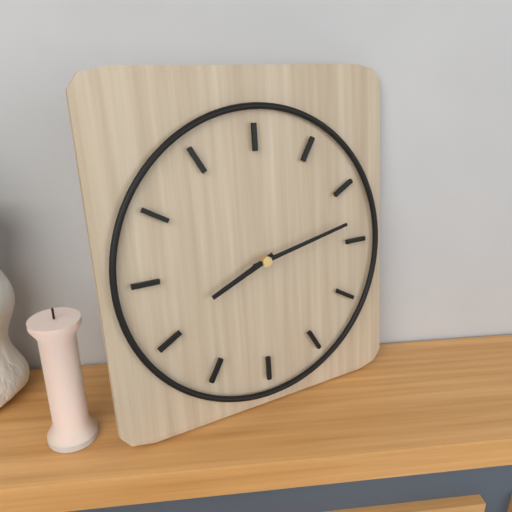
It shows {"hour": 8, "minute": 13}
